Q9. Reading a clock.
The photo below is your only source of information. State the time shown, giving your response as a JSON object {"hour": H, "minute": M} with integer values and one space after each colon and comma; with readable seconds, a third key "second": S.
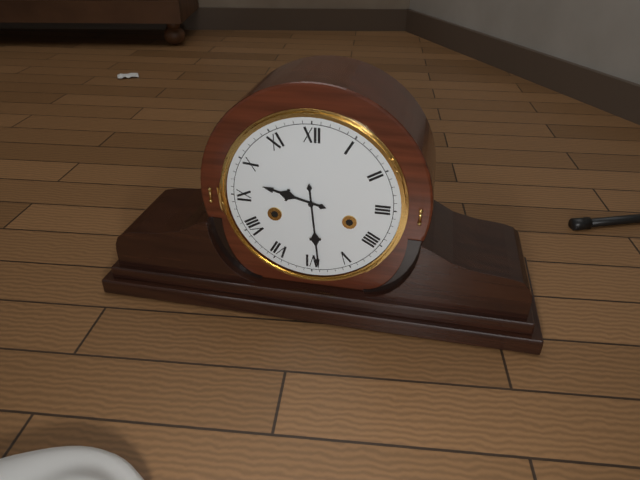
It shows {"hour": 9, "minute": 29}
